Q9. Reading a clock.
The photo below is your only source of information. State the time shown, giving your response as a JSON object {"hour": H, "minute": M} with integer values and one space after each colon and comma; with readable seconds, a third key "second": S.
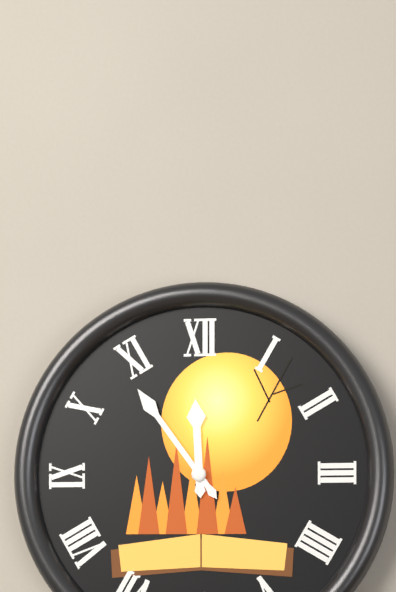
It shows {"hour": 11, "minute": 54}
